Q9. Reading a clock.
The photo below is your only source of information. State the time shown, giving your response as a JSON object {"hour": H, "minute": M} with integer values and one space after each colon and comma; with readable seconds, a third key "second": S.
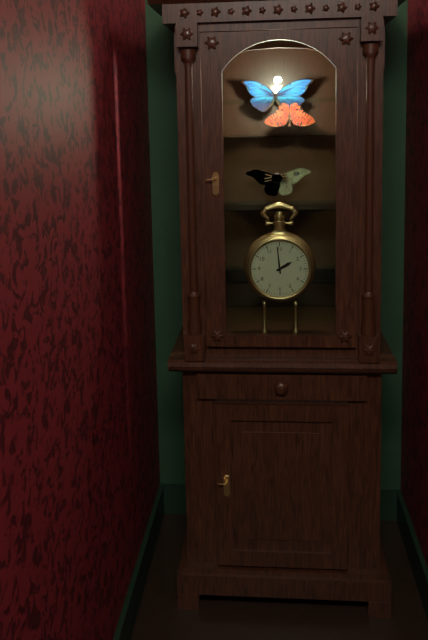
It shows {"hour": 1, "minute": 59}
